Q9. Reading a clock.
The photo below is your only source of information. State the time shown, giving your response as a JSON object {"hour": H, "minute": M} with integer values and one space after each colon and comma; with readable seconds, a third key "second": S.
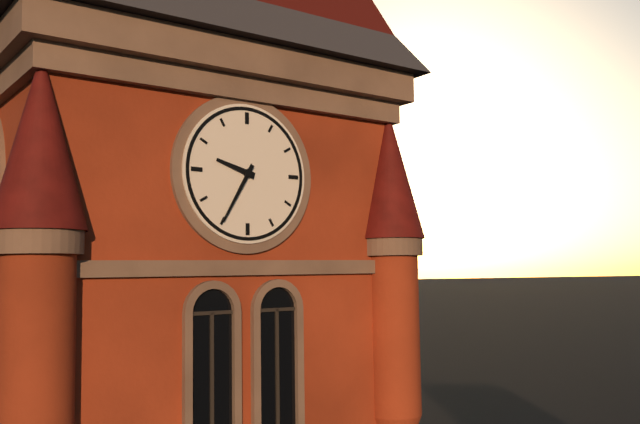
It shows {"hour": 9, "minute": 35}
